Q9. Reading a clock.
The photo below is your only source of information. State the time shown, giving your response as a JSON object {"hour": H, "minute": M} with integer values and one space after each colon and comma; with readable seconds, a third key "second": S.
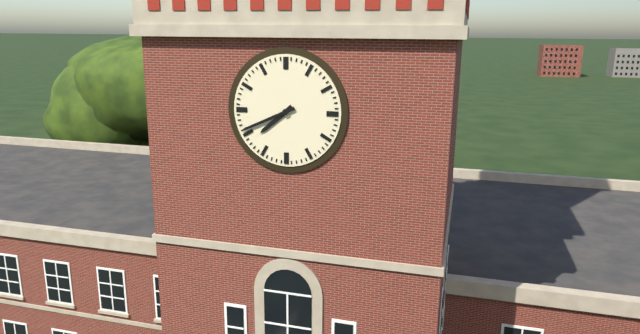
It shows {"hour": 7, "minute": 41}
